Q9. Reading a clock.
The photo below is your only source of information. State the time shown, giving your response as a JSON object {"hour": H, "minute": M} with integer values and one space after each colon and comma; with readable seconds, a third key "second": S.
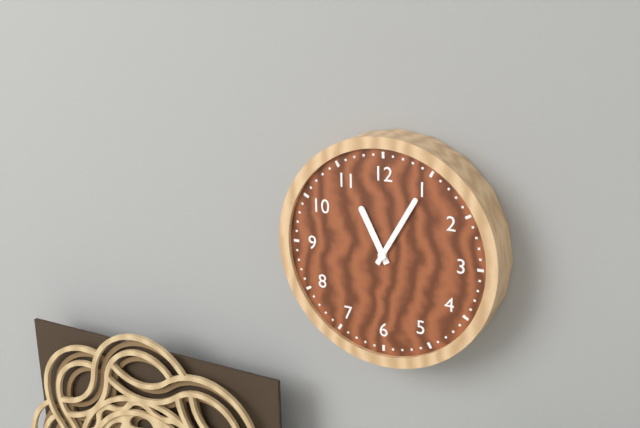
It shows {"hour": 11, "minute": 5}
